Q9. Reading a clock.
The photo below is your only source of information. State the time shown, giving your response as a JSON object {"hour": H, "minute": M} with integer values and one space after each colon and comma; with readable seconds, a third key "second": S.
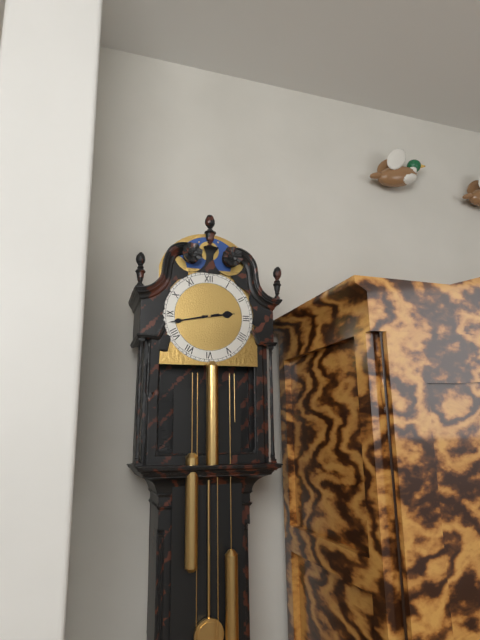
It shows {"hour": 2, "minute": 43}
